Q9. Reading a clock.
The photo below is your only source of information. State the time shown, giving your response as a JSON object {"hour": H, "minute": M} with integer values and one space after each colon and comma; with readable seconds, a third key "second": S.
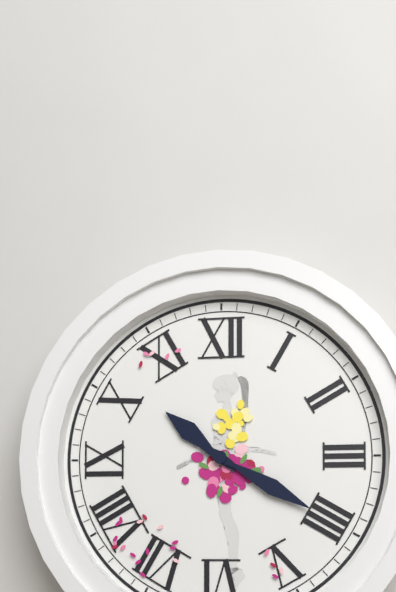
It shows {"hour": 10, "minute": 20}
